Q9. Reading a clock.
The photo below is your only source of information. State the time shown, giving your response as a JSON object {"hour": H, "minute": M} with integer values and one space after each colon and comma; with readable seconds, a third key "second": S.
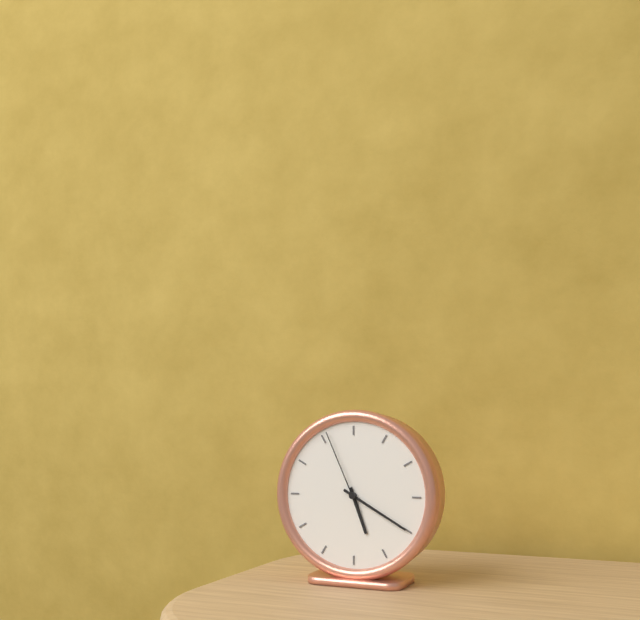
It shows {"hour": 5, "minute": 20, "second": 56}
